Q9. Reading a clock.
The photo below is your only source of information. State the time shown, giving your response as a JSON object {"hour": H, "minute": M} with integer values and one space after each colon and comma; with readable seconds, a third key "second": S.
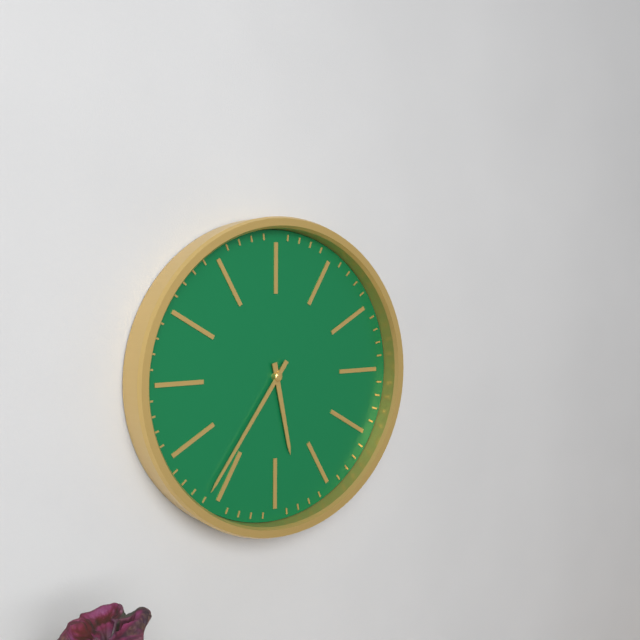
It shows {"hour": 5, "minute": 36}
